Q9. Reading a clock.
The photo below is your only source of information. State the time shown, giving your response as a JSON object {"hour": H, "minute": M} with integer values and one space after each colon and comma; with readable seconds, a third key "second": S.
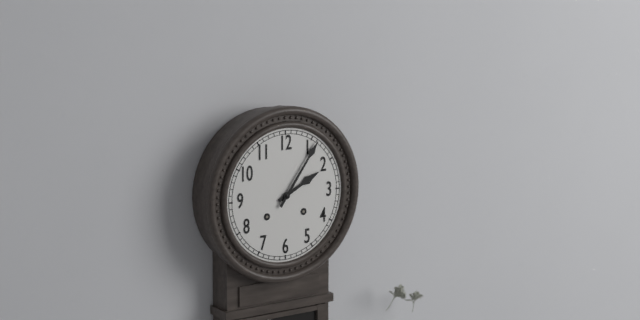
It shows {"hour": 2, "minute": 6}
